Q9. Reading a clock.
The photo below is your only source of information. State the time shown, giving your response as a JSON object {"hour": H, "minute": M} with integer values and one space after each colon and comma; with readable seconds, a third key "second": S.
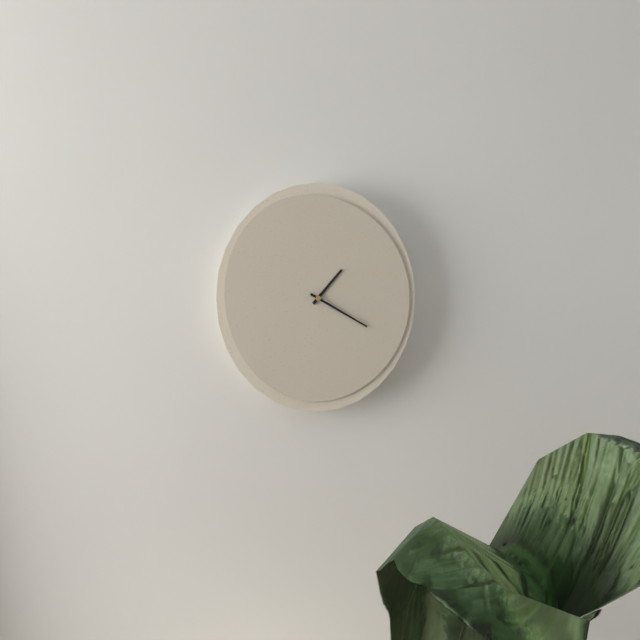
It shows {"hour": 1, "minute": 20}
